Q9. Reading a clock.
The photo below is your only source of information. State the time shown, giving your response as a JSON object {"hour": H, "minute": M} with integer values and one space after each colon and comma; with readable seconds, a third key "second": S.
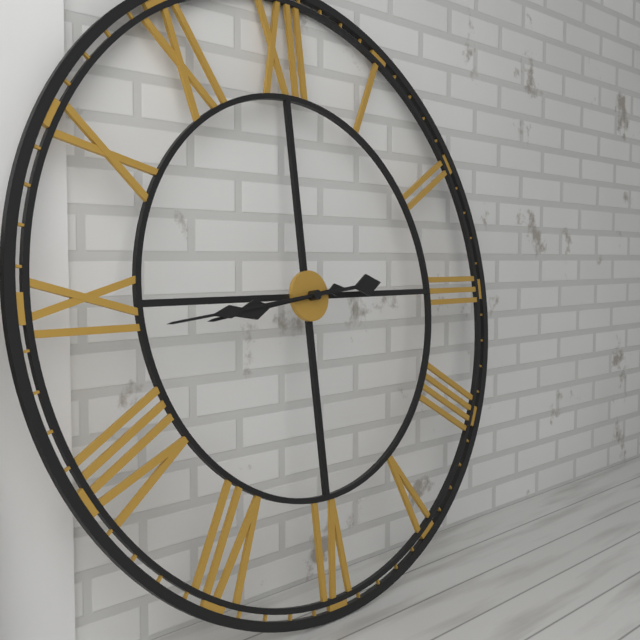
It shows {"hour": 8, "minute": 44}
